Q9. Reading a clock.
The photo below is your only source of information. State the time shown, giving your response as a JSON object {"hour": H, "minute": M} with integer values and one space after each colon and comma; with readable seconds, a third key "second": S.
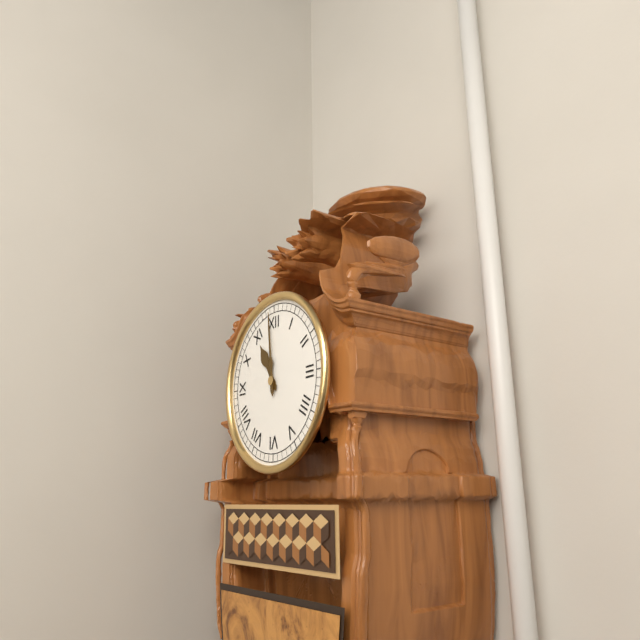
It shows {"hour": 10, "minute": 59}
